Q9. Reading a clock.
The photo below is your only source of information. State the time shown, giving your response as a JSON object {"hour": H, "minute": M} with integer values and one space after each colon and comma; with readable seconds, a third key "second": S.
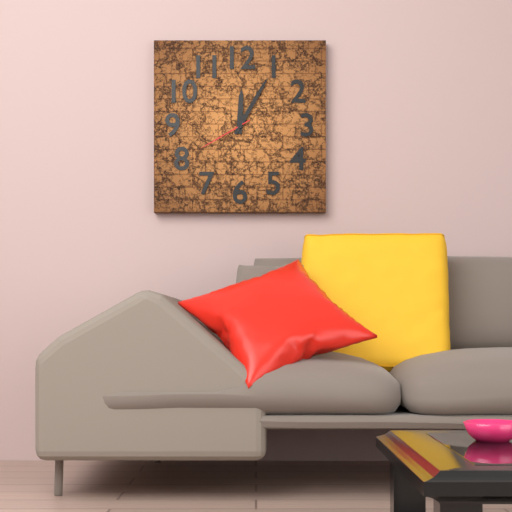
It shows {"hour": 12, "minute": 5, "second": 40}
